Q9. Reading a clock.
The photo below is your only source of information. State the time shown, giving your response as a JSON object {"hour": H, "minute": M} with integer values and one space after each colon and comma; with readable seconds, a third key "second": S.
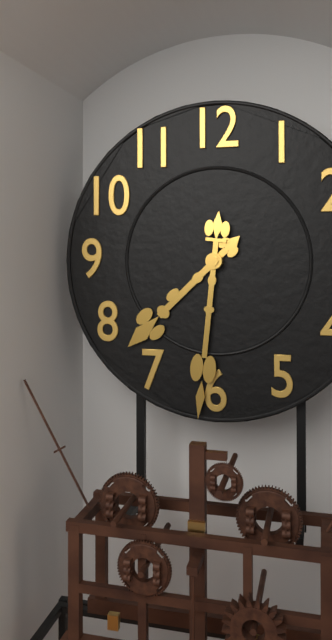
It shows {"hour": 7, "minute": 31}
